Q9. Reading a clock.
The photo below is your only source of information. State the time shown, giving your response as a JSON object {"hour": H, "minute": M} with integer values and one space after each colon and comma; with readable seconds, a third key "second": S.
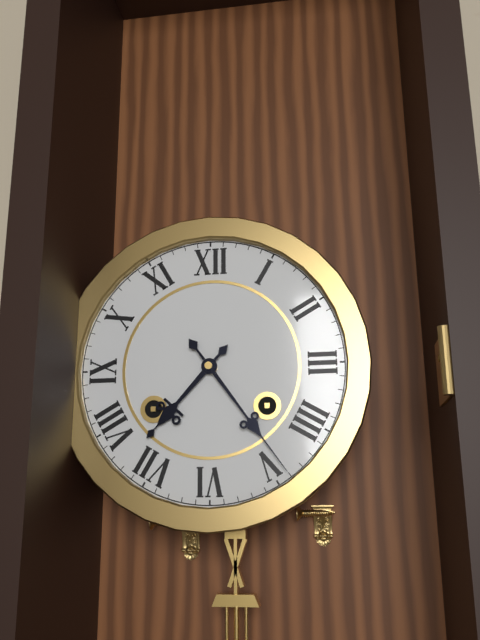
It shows {"hour": 7, "minute": 24}
